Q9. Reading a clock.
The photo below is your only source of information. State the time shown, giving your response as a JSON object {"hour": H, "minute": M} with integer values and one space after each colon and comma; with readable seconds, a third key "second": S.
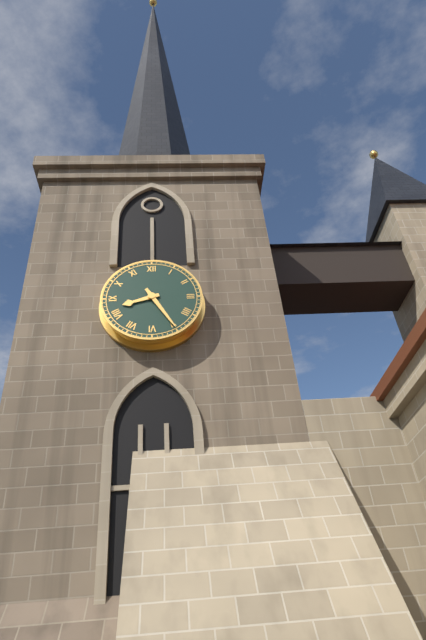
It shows {"hour": 8, "minute": 25}
